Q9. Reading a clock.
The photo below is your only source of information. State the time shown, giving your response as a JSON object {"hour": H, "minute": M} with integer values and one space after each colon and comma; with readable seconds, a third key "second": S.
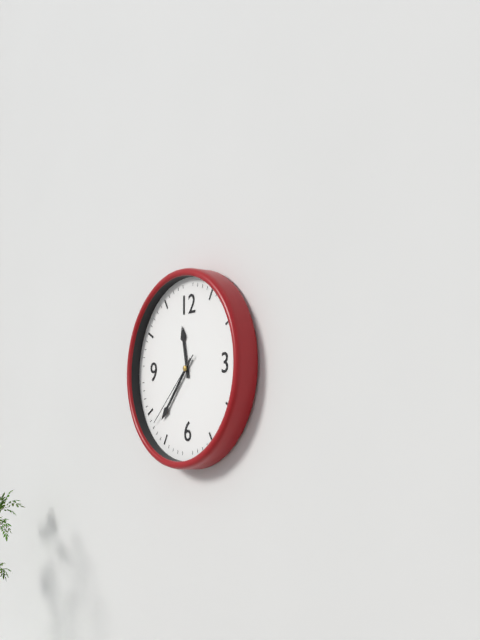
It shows {"hour": 11, "minute": 37, "second": 38}
